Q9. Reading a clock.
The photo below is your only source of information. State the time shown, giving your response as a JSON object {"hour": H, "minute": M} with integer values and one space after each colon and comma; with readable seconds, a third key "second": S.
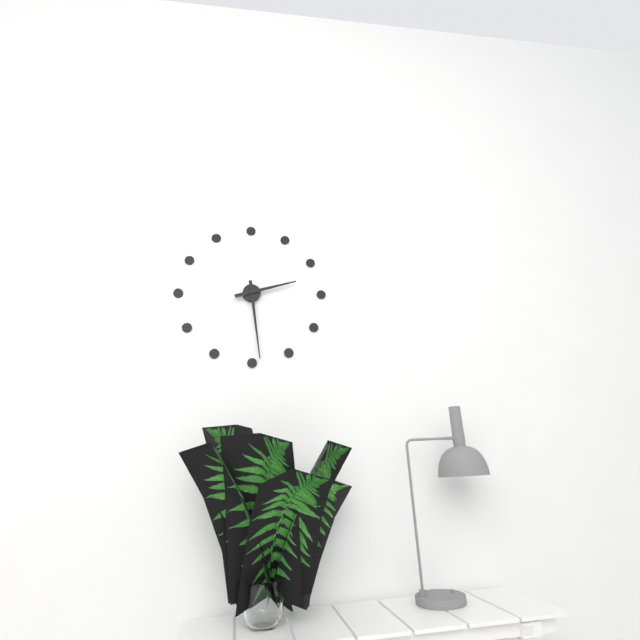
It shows {"hour": 2, "minute": 29}
